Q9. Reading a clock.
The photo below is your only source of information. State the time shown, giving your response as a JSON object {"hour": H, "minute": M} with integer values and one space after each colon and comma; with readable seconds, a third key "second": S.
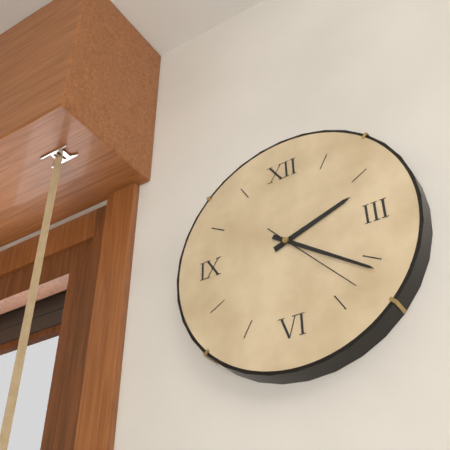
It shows {"hour": 2, "minute": 21, "second": 23}
